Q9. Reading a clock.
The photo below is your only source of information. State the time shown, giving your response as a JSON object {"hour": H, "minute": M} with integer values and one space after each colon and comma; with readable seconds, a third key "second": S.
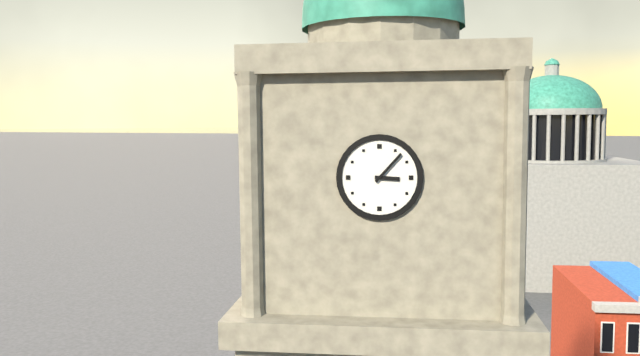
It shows {"hour": 3, "minute": 7}
